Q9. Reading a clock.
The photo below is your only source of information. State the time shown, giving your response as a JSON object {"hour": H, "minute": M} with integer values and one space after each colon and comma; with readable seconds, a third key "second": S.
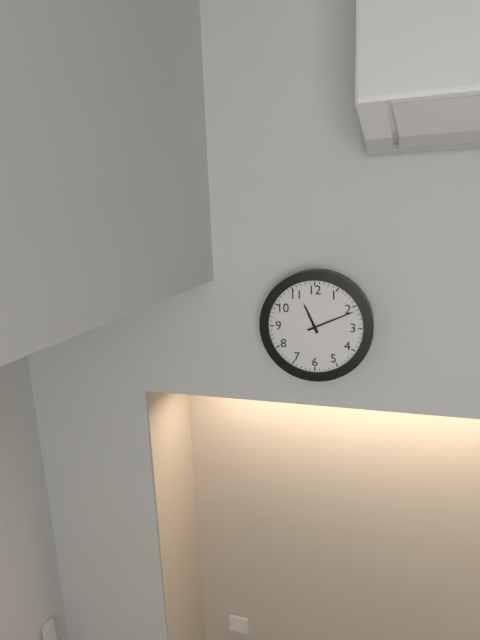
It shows {"hour": 11, "minute": 11}
